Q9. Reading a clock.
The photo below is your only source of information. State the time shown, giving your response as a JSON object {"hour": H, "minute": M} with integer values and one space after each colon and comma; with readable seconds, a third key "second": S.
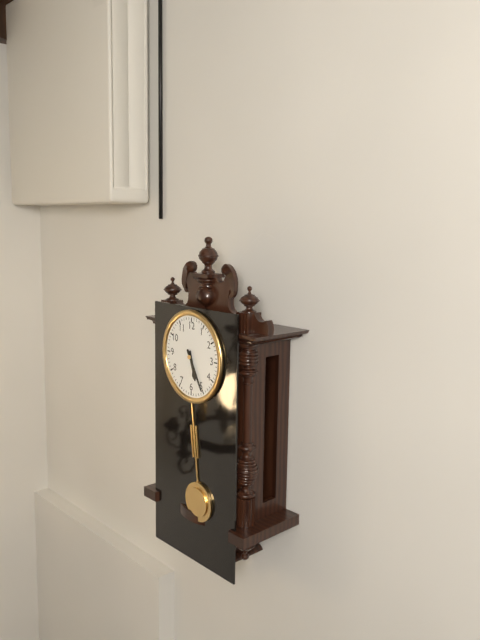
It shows {"hour": 5, "minute": 25}
